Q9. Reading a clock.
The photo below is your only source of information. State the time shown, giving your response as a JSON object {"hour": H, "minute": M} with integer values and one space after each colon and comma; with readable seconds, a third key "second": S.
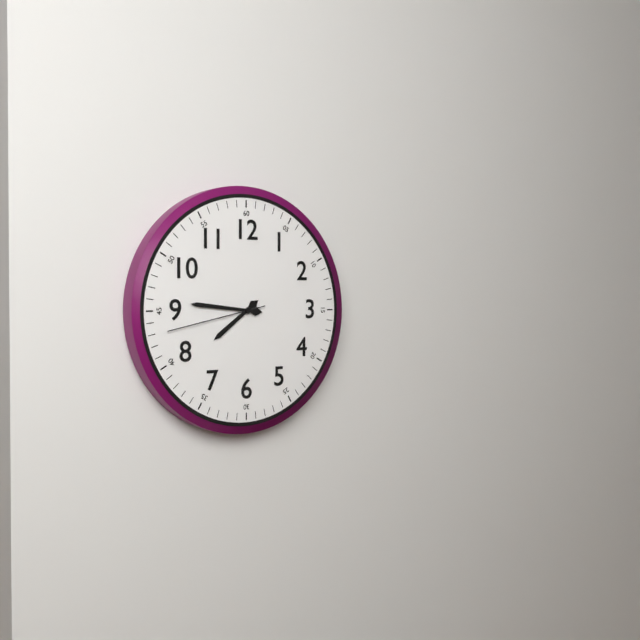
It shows {"hour": 7, "minute": 46, "second": 43}
